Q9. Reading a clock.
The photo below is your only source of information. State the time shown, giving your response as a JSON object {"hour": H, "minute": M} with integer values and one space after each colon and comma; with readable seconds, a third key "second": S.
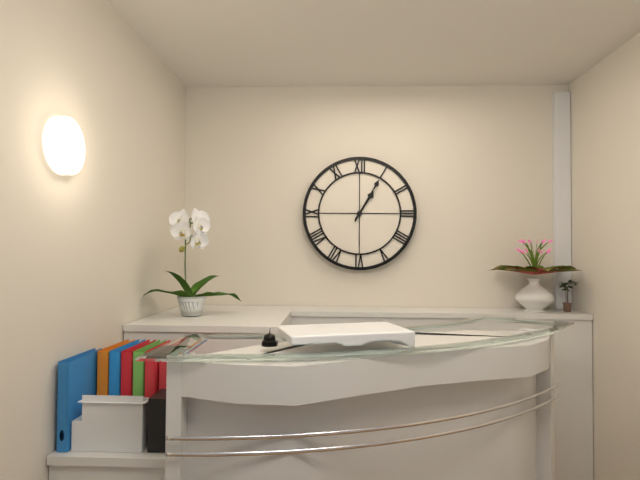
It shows {"hour": 1, "minute": 5}
